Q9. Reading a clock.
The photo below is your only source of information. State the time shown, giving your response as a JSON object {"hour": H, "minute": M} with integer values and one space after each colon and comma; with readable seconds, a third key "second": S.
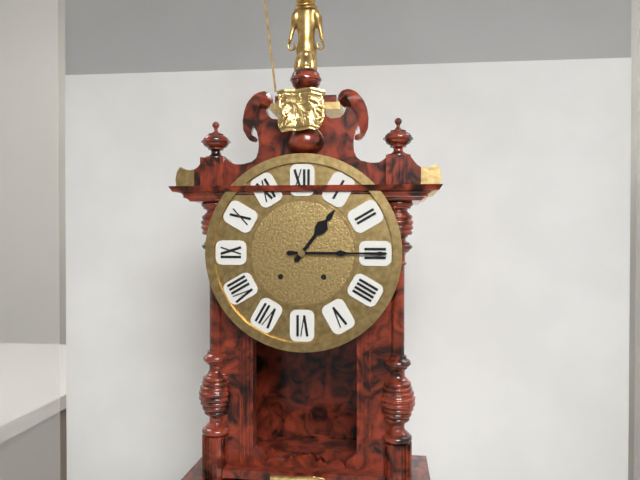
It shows {"hour": 1, "minute": 15}
